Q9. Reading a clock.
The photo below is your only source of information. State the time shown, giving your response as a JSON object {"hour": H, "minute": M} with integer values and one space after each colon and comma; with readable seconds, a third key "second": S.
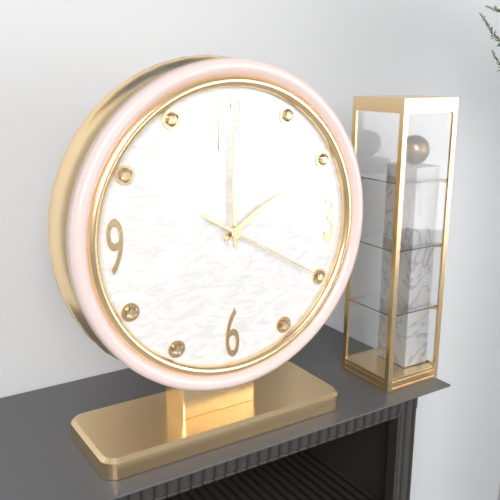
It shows {"hour": 2, "minute": 0, "second": 20}
